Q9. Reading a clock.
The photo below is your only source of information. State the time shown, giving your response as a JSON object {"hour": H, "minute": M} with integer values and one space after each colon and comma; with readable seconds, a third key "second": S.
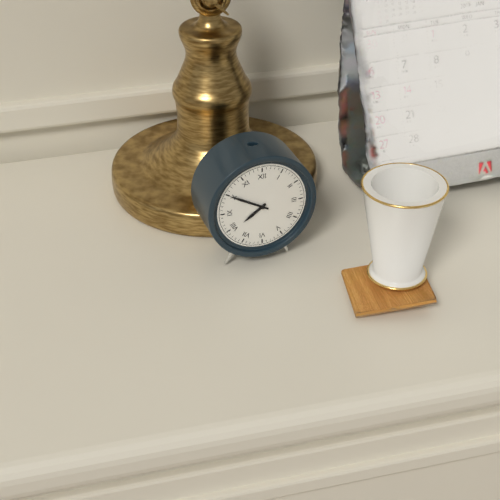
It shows {"hour": 7, "minute": 50}
